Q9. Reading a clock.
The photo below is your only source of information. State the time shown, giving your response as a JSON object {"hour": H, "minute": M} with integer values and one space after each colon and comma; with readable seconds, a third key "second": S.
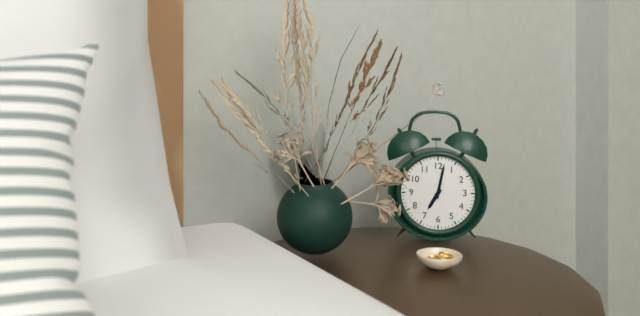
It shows {"hour": 7, "minute": 2}
